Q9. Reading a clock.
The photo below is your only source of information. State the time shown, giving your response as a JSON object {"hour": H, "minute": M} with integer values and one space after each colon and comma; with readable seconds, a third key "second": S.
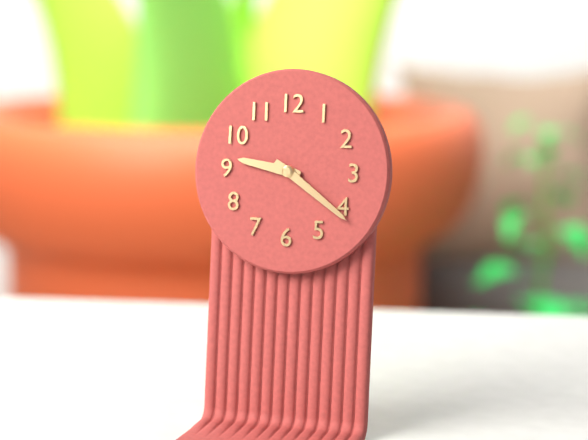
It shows {"hour": 9, "minute": 21}
